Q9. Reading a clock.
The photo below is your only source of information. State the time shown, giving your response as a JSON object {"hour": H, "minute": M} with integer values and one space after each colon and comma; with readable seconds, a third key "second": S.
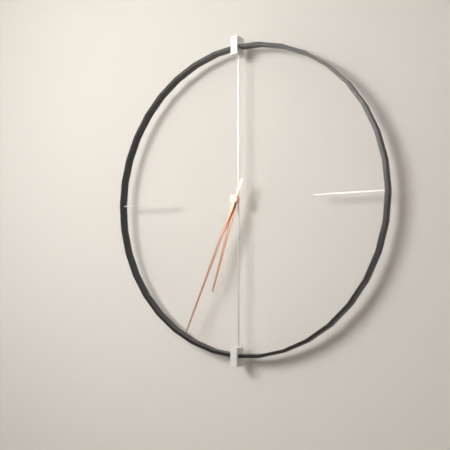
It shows {"hour": 6, "minute": 34}
